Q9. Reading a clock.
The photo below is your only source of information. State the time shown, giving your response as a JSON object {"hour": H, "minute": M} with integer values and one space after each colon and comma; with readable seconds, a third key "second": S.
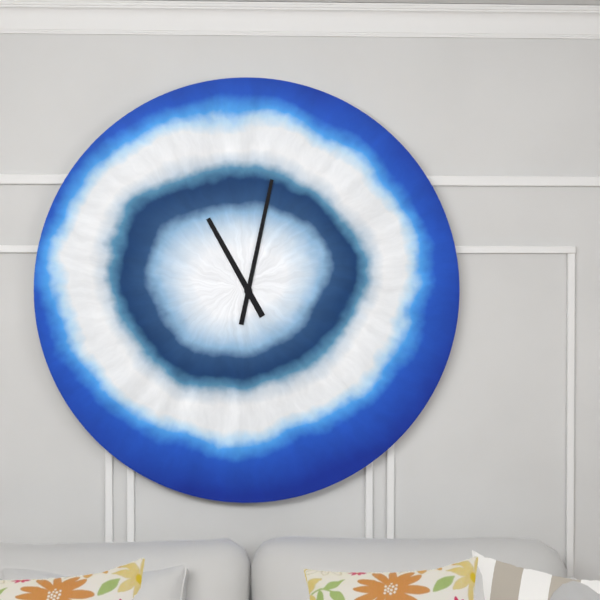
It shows {"hour": 11, "minute": 2}
